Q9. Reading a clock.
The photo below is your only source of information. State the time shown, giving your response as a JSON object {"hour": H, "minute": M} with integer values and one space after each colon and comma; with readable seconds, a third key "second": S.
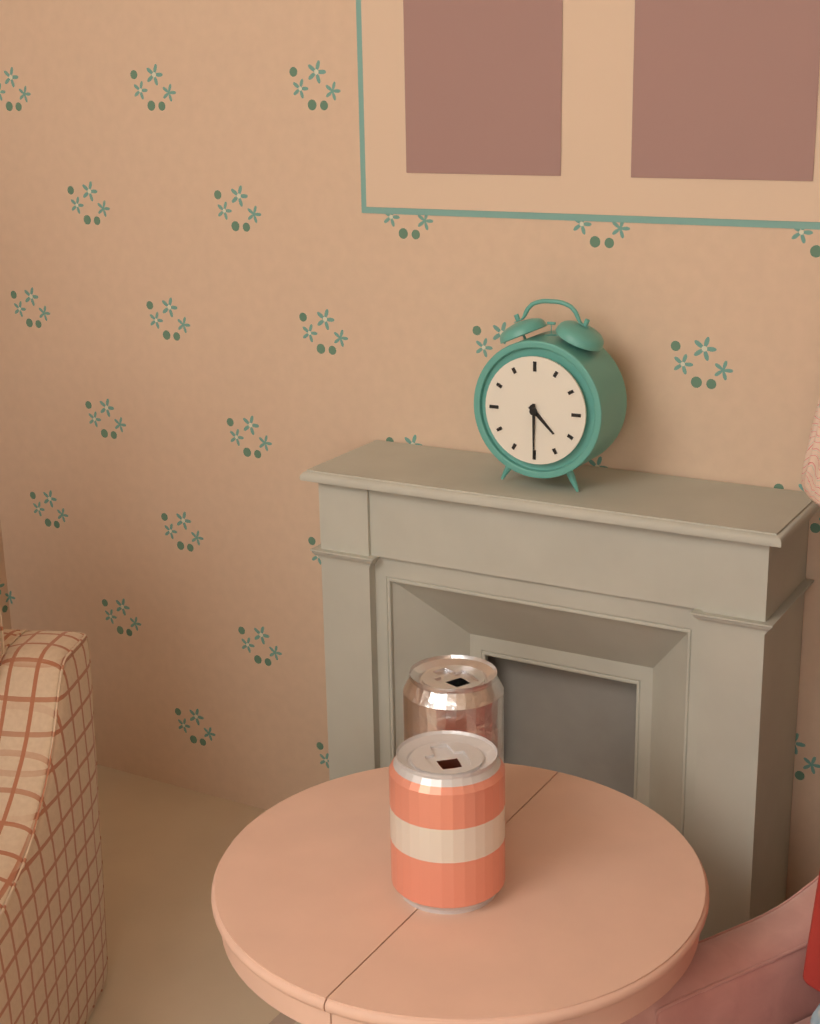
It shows {"hour": 4, "minute": 30}
